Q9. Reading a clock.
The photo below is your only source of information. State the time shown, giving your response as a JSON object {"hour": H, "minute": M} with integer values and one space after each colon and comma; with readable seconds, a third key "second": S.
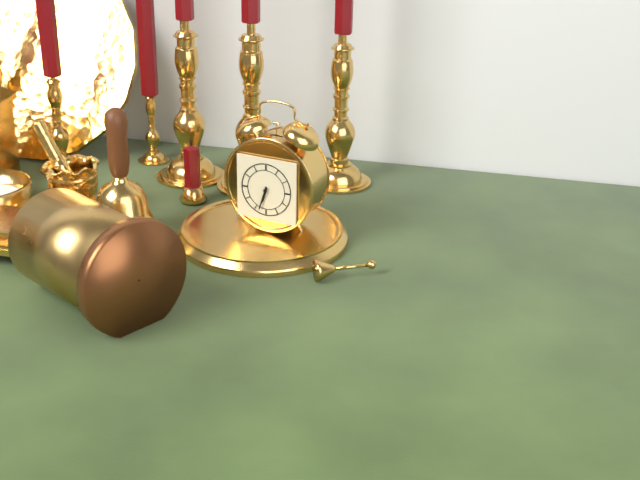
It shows {"hour": 6, "minute": 33}
